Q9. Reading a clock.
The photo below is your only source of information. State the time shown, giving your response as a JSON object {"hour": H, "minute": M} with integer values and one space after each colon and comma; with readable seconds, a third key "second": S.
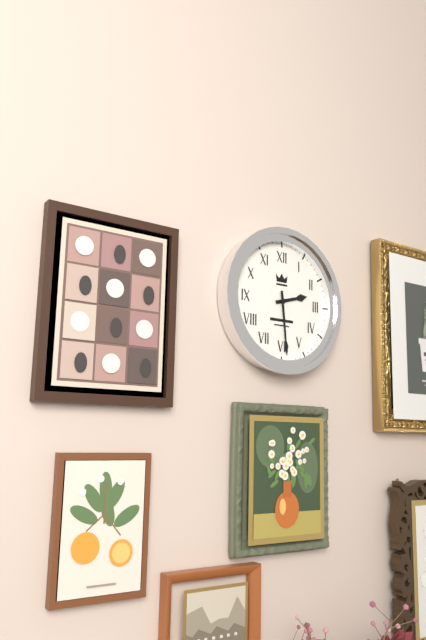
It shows {"hour": 2, "minute": 29}
